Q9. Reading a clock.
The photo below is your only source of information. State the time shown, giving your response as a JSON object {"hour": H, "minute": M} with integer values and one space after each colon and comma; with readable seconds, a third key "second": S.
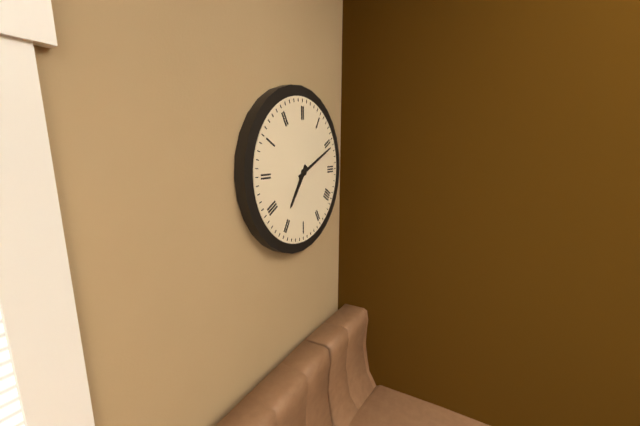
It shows {"hour": 7, "minute": 11}
